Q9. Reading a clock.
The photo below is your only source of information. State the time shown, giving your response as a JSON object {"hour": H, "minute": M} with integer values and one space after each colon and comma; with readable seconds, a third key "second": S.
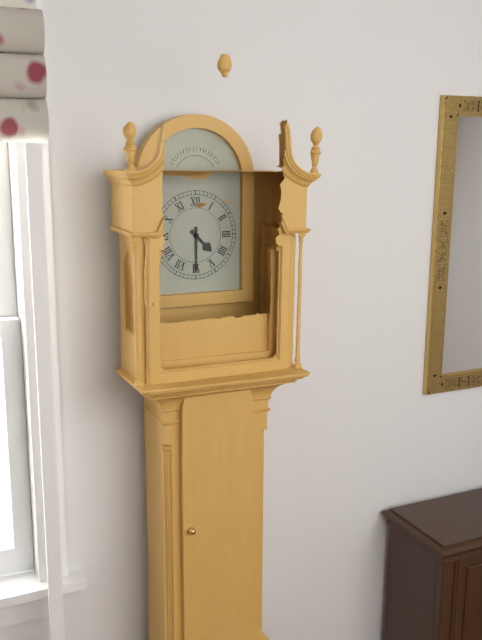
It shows {"hour": 4, "minute": 30}
